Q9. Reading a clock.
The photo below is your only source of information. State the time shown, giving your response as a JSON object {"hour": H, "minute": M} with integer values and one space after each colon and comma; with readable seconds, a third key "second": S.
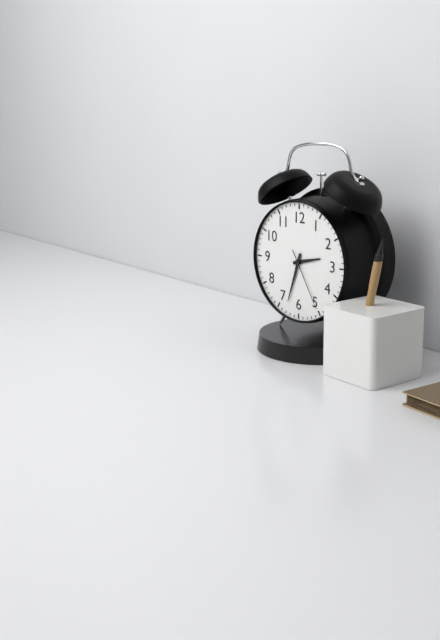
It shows {"hour": 2, "minute": 33, "second": 25}
